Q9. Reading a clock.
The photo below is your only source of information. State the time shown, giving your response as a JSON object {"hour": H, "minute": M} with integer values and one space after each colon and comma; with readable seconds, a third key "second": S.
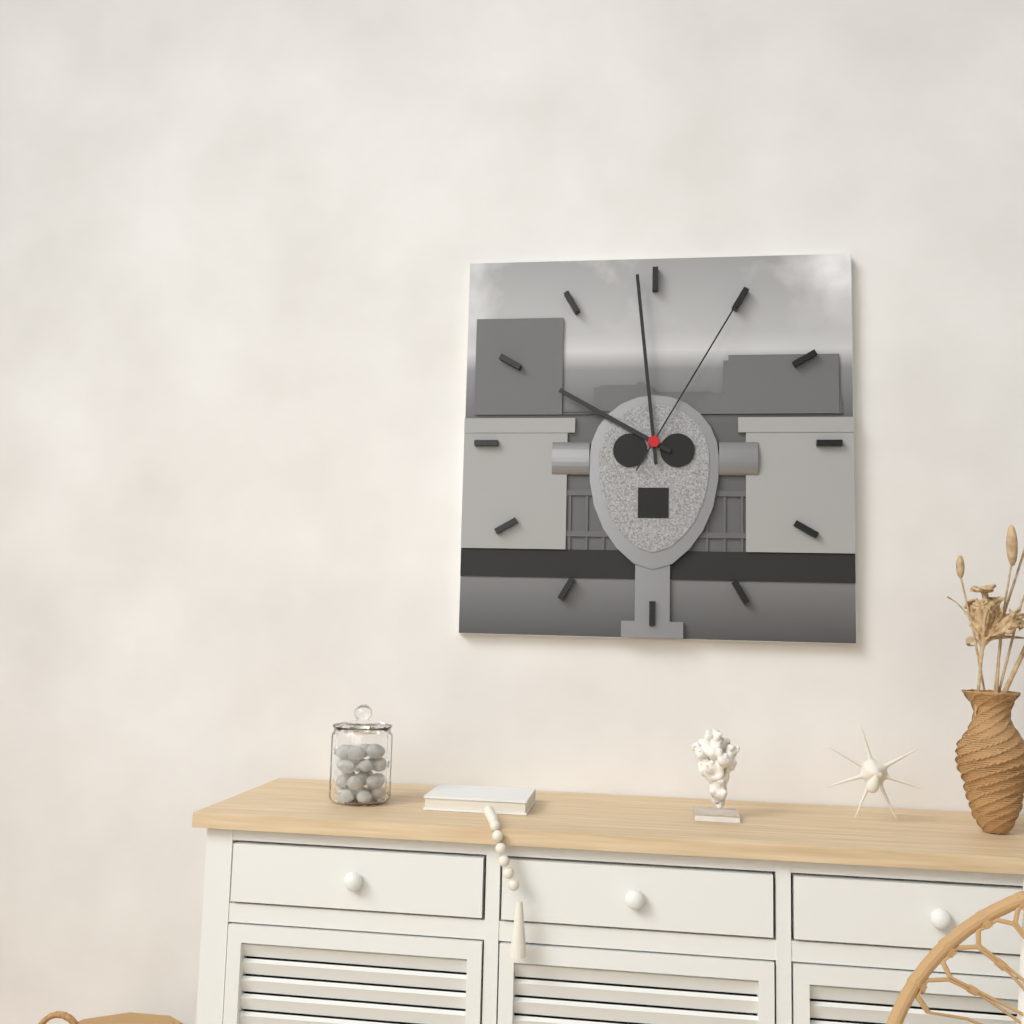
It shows {"hour": 9, "minute": 59, "second": 5}
